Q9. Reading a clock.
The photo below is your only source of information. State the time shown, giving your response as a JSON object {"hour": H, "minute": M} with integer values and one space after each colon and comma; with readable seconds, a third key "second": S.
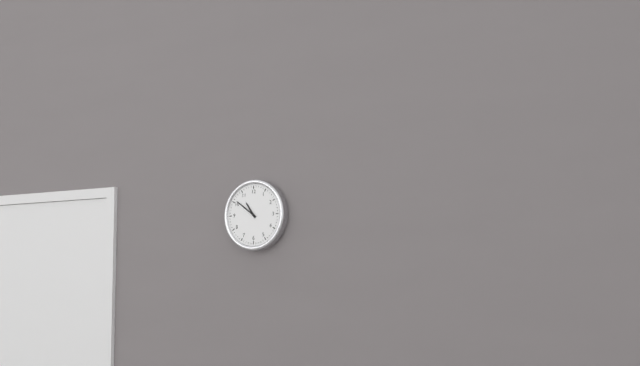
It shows {"hour": 10, "minute": 51}
